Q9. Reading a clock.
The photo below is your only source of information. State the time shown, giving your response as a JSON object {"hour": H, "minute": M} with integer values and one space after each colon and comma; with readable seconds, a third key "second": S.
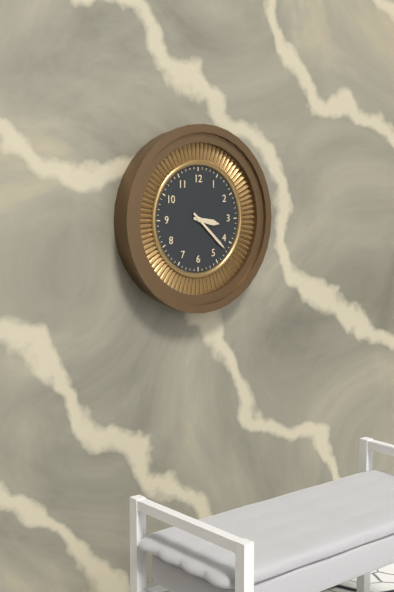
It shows {"hour": 3, "minute": 22}
